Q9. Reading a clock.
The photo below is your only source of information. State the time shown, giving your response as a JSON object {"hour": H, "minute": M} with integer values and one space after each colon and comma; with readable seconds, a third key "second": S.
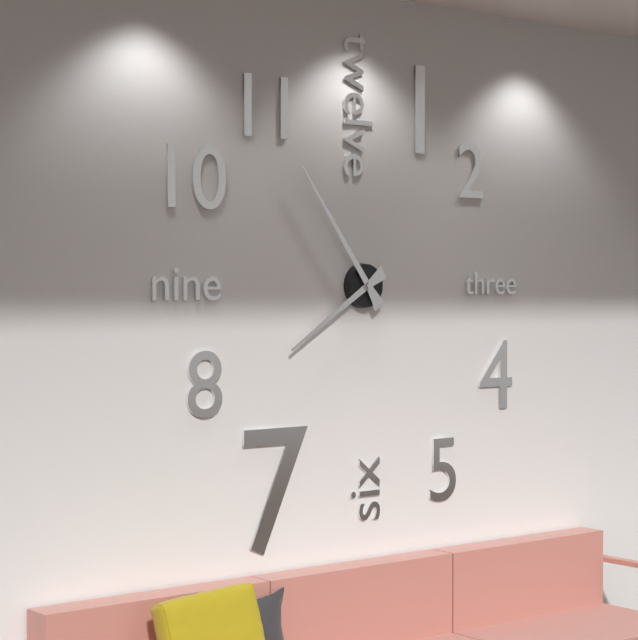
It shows {"hour": 7, "minute": 54}
